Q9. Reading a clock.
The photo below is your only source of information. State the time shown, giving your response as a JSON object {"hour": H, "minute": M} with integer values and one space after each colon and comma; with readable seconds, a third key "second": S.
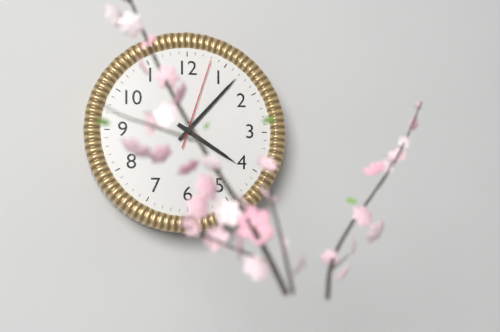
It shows {"hour": 4, "minute": 7, "second": 3}
